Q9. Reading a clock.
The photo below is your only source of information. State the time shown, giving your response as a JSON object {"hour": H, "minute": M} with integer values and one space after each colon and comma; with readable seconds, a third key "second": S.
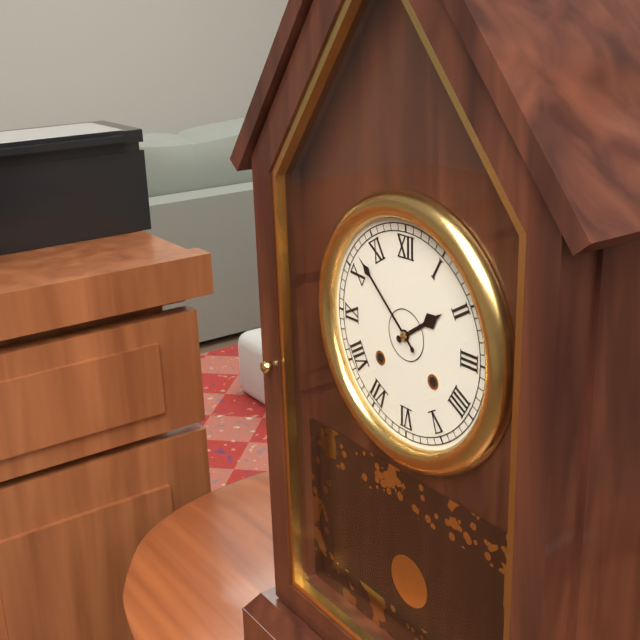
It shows {"hour": 1, "minute": 52}
